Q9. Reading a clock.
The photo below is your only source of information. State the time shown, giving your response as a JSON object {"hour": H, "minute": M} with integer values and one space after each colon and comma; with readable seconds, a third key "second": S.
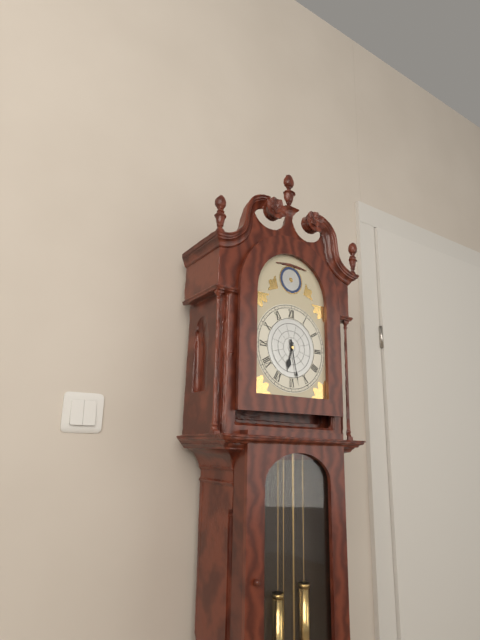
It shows {"hour": 6, "minute": 28}
